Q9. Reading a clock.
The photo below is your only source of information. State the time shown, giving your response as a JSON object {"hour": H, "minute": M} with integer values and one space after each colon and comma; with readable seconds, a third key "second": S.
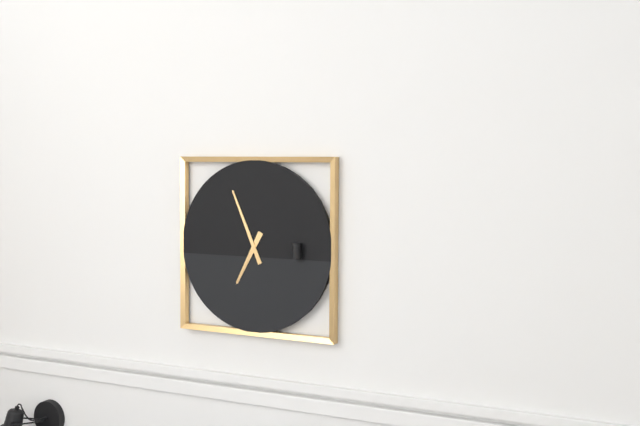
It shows {"hour": 6, "minute": 56}
